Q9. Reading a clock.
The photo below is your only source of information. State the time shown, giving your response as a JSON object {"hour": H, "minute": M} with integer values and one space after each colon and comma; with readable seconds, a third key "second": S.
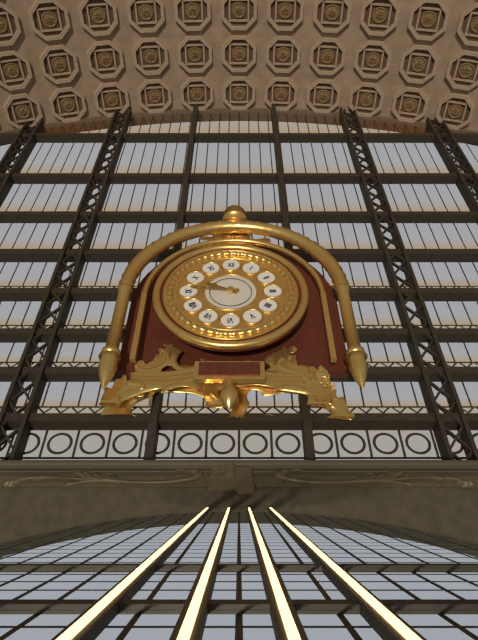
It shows {"hour": 9, "minute": 46}
